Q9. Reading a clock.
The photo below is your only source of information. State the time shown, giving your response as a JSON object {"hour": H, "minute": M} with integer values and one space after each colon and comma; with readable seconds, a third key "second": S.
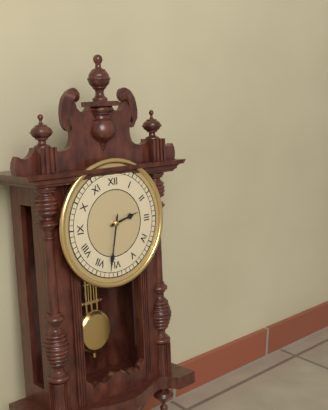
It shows {"hour": 2, "minute": 32}
